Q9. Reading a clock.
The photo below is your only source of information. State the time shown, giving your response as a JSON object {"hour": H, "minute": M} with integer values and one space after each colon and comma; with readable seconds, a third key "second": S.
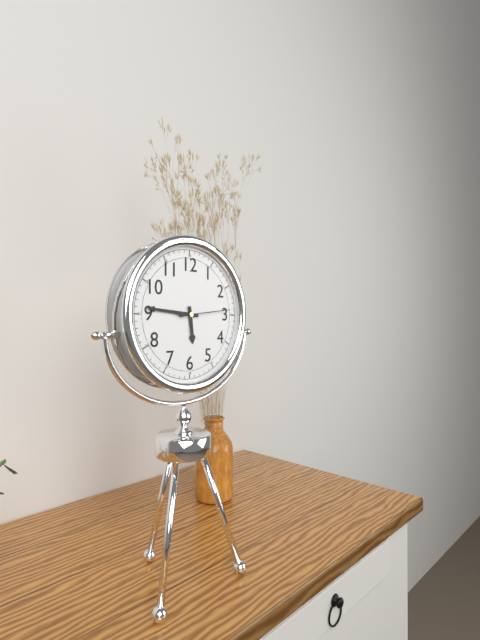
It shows {"hour": 5, "minute": 46}
